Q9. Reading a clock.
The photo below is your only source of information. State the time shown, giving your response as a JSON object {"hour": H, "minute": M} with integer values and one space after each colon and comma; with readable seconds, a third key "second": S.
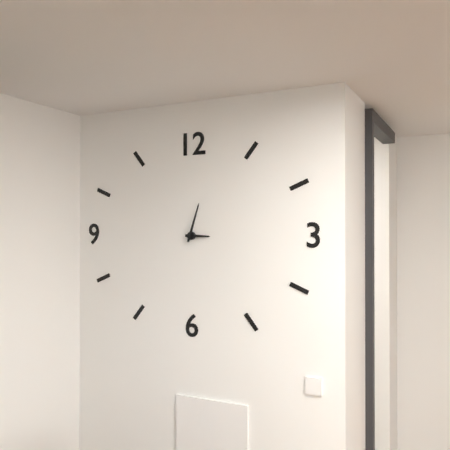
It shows {"hour": 3, "minute": 3}
